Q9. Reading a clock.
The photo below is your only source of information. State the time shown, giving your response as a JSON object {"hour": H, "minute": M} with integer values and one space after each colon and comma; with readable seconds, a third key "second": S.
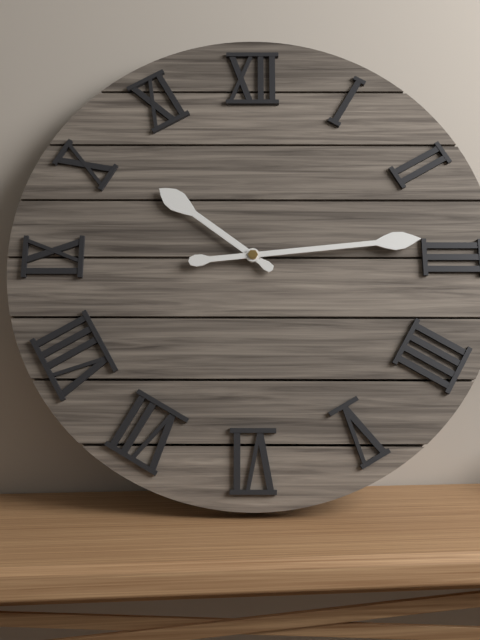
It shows {"hour": 10, "minute": 14}
